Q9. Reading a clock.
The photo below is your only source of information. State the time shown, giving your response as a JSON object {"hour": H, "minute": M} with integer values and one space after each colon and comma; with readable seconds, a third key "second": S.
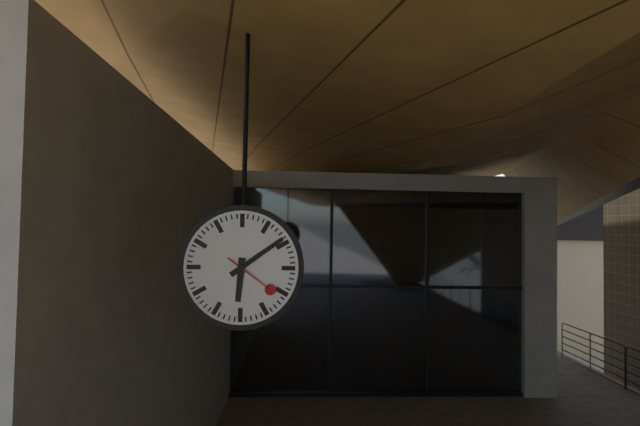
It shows {"hour": 6, "minute": 9, "second": 21}
